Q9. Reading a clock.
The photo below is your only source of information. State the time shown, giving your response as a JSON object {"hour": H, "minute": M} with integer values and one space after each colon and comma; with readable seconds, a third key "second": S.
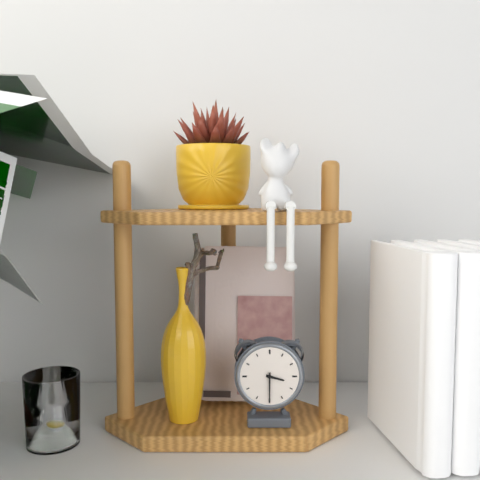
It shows {"hour": 3, "minute": 30}
